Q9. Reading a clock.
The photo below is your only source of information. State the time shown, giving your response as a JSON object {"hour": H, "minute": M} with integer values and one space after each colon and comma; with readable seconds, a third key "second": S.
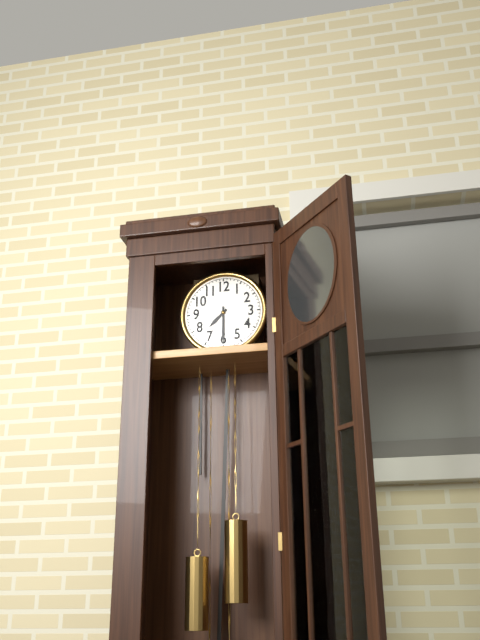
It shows {"hour": 7, "minute": 30}
